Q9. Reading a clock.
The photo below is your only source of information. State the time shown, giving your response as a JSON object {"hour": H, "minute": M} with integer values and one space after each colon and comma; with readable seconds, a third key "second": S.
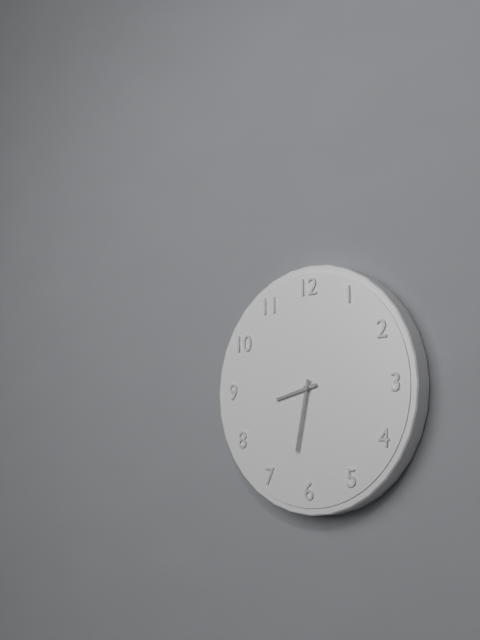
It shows {"hour": 8, "minute": 32}
